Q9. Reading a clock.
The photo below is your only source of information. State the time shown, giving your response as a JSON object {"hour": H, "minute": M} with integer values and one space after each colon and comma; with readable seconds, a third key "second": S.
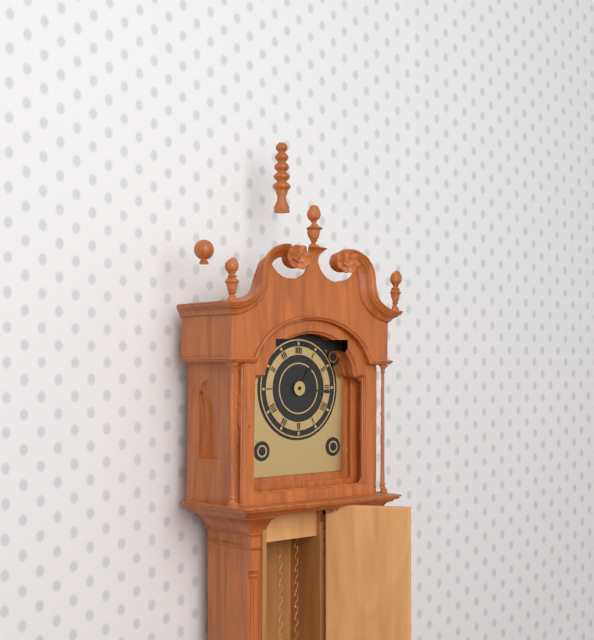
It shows {"hour": 1, "minute": 16}
